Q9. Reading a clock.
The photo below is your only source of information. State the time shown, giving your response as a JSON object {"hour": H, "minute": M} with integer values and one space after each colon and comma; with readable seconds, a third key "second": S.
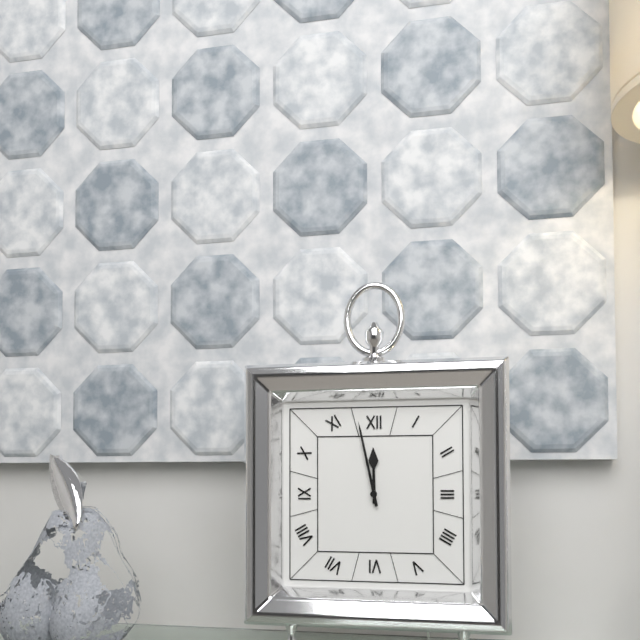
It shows {"hour": 11, "minute": 58}
